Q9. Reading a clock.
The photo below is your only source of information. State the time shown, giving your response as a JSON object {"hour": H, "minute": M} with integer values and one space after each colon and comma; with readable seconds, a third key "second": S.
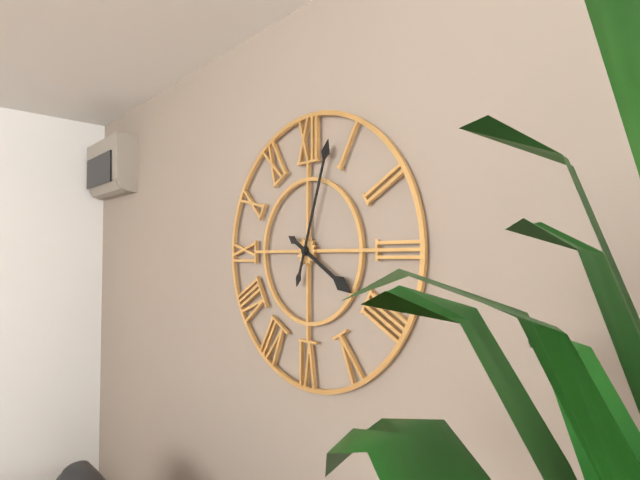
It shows {"hour": 4, "minute": 3}
